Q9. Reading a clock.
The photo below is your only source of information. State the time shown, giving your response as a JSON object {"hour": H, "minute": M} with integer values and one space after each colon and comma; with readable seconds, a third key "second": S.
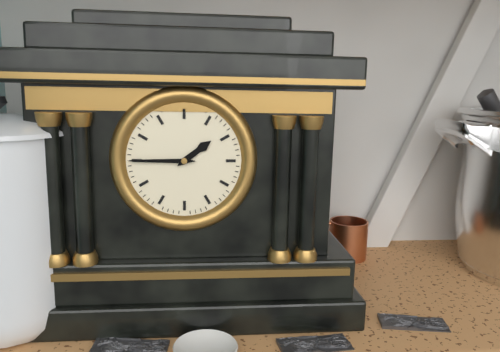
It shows {"hour": 1, "minute": 45}
